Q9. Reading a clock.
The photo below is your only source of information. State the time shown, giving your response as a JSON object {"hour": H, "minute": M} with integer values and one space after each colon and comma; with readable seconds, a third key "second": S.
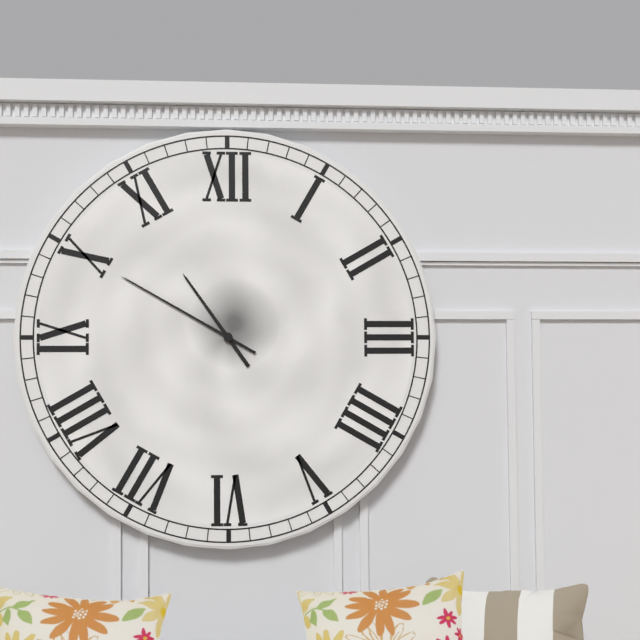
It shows {"hour": 10, "minute": 50}
